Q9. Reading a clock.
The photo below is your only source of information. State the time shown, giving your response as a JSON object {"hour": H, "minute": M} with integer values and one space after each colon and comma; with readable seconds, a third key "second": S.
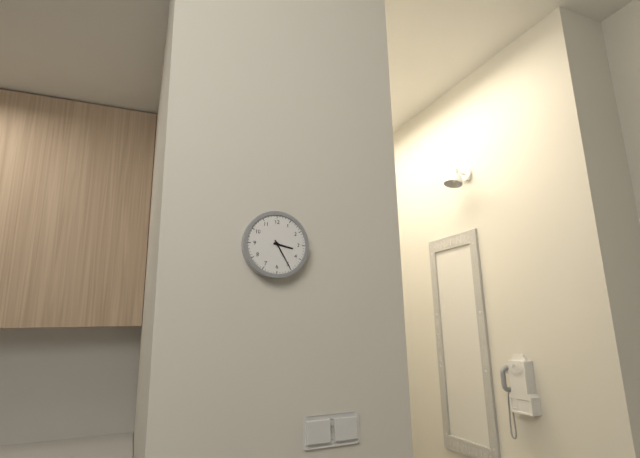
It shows {"hour": 3, "minute": 25}
